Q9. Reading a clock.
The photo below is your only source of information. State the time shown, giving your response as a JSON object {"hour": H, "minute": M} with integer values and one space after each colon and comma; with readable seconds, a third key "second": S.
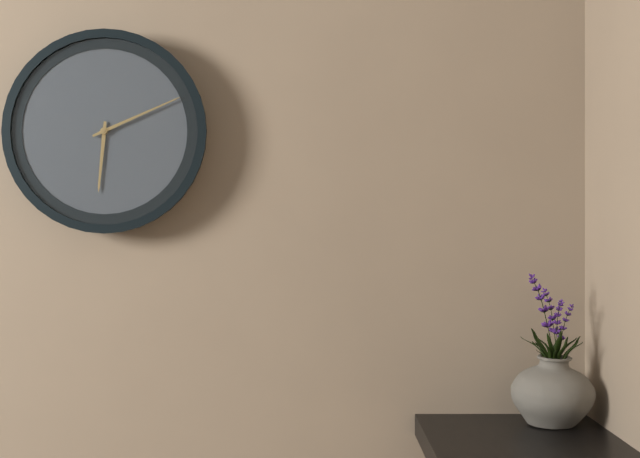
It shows {"hour": 6, "minute": 11}
